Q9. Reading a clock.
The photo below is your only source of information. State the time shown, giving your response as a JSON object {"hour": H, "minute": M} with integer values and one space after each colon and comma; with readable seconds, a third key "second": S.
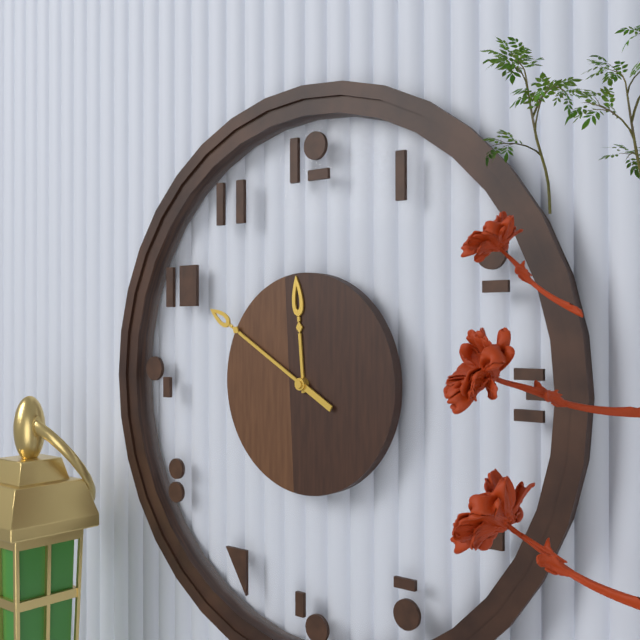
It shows {"hour": 11, "minute": 50}
